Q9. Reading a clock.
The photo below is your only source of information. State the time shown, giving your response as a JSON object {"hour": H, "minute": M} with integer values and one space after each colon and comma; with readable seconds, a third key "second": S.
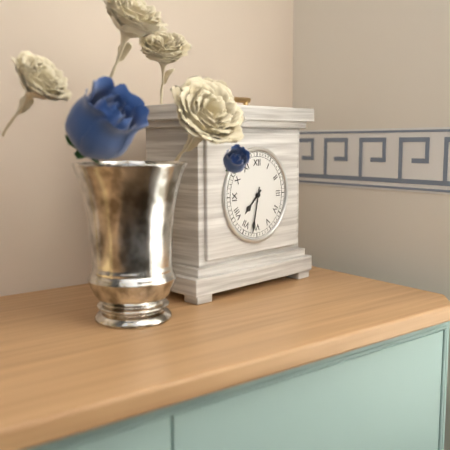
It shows {"hour": 7, "minute": 32}
